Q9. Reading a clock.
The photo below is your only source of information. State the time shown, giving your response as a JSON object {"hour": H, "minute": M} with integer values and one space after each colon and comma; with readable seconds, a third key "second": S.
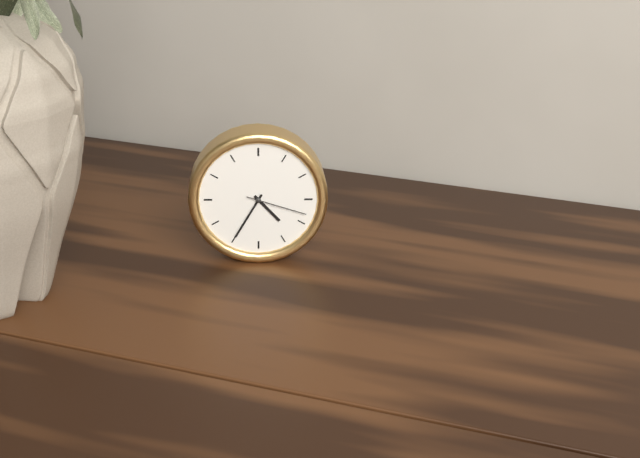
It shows {"hour": 4, "minute": 35, "second": 18}
